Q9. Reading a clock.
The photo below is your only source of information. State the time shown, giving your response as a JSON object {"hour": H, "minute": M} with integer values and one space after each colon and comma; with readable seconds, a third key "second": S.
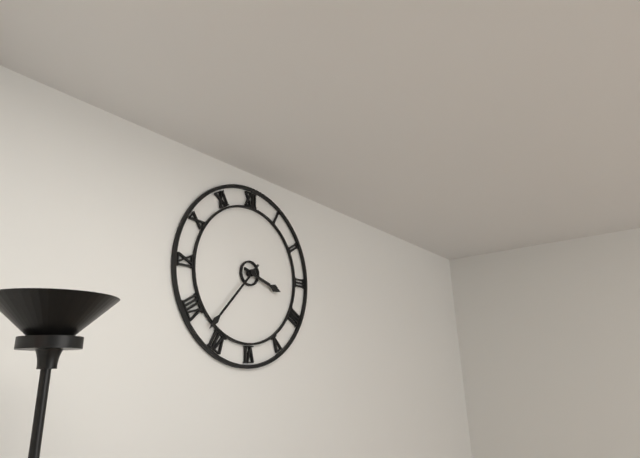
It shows {"hour": 3, "minute": 37}
